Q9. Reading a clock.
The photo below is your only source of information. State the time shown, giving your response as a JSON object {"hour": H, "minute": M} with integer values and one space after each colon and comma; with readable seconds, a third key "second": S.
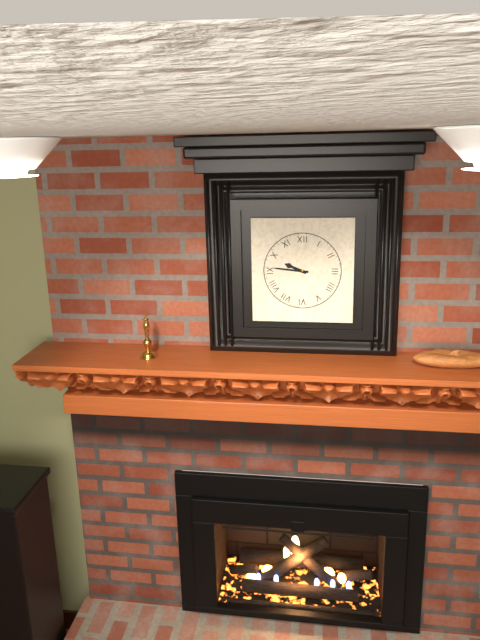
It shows {"hour": 9, "minute": 46}
